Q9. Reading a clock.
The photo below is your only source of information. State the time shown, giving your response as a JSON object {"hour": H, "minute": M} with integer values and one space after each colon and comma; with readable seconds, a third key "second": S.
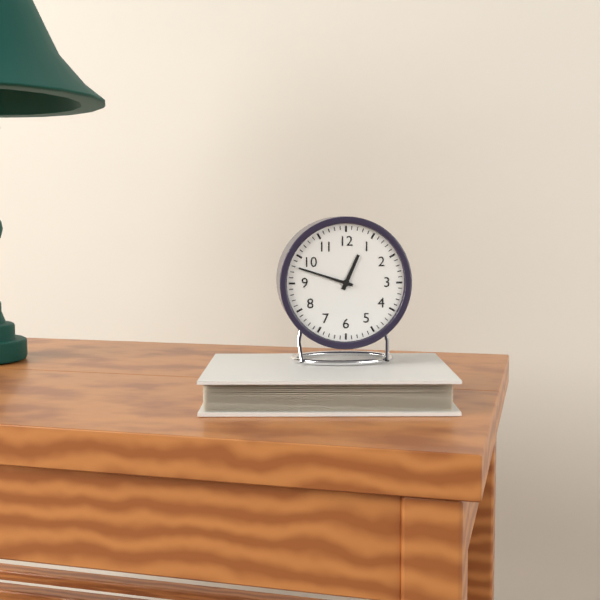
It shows {"hour": 12, "minute": 48}
